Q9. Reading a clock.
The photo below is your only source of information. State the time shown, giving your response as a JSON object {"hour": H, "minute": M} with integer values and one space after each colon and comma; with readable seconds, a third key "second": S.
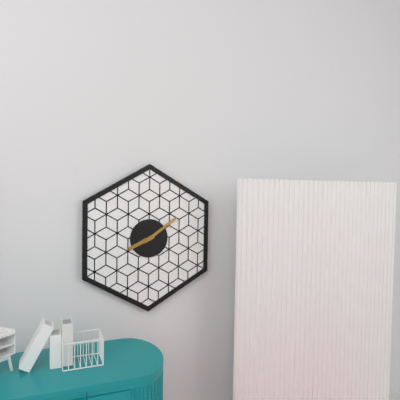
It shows {"hour": 8, "minute": 9}
